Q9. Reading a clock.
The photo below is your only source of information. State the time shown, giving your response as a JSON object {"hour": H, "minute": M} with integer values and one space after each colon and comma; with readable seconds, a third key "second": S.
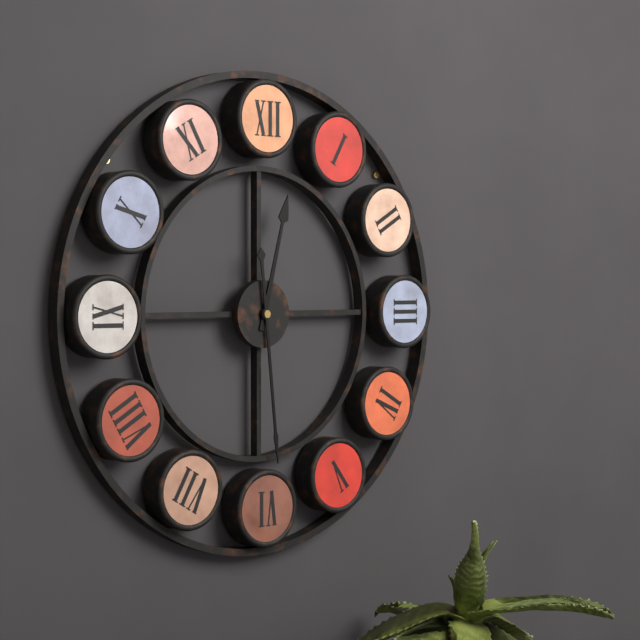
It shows {"hour": 12, "minute": 29}
